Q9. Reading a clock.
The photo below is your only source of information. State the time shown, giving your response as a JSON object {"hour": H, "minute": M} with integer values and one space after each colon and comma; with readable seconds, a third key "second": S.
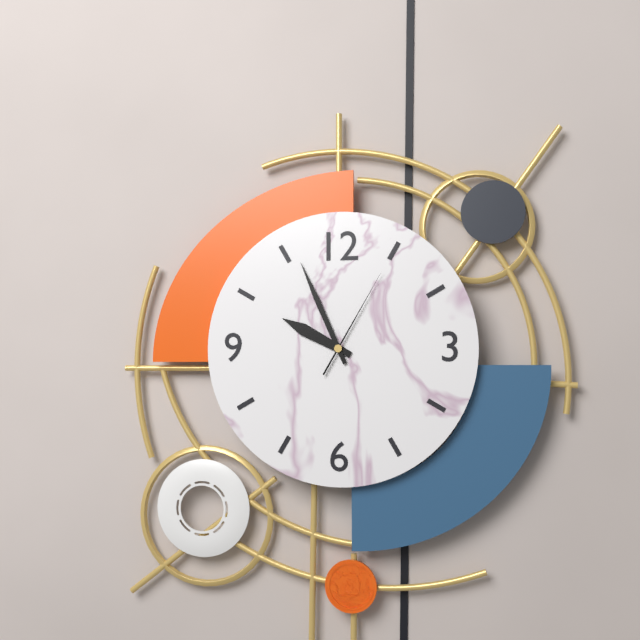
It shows {"hour": 9, "minute": 56, "second": 5}
